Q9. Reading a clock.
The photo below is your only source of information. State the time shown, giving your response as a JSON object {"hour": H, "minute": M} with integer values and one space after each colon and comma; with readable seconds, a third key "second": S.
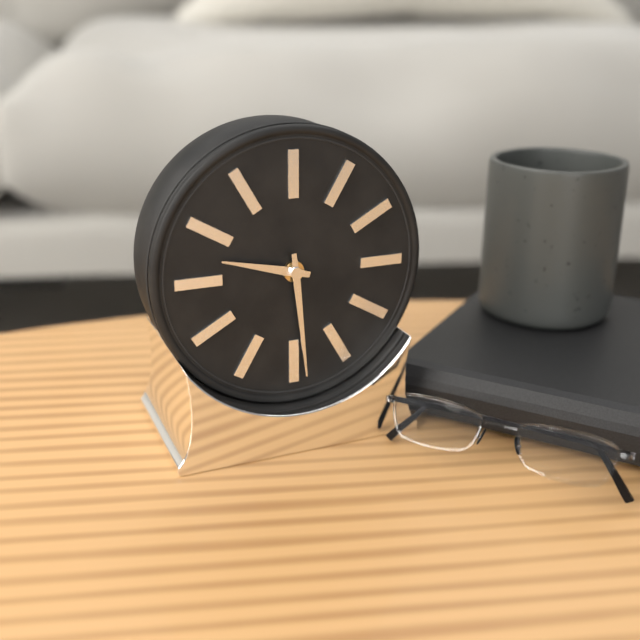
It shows {"hour": 9, "minute": 29}
